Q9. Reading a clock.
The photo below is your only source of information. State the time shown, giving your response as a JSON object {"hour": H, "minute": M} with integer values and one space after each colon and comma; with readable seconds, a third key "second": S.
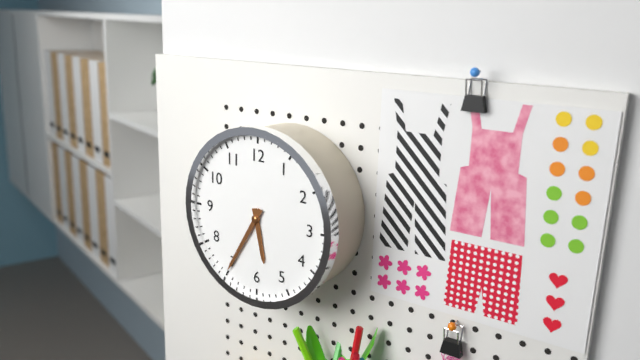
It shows {"hour": 5, "minute": 35}
